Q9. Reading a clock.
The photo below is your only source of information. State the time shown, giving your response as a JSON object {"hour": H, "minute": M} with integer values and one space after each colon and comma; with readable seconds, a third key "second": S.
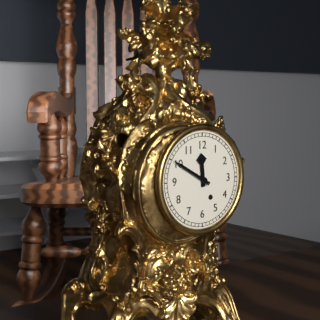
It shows {"hour": 11, "minute": 50}
